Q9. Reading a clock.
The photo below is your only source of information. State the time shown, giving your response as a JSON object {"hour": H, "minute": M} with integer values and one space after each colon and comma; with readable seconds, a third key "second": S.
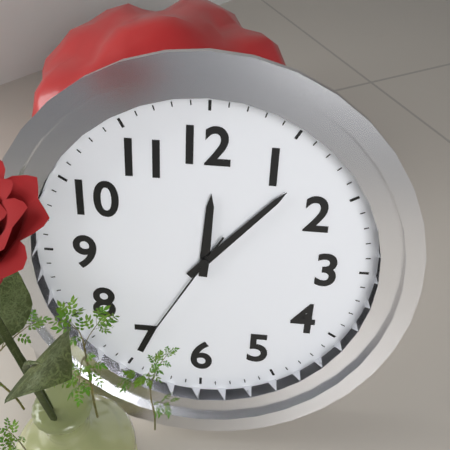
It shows {"hour": 12, "minute": 7, "second": 35}
